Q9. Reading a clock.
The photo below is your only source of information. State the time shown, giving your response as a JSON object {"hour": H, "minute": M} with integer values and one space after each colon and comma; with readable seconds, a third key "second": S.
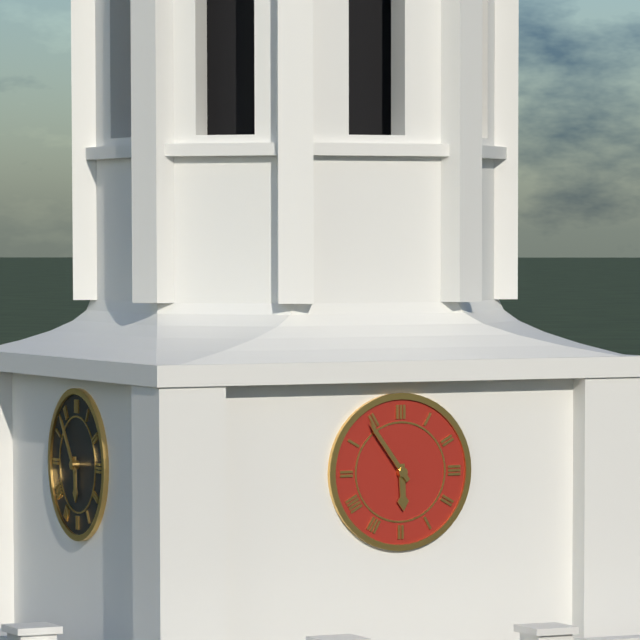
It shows {"hour": 5, "minute": 54}
